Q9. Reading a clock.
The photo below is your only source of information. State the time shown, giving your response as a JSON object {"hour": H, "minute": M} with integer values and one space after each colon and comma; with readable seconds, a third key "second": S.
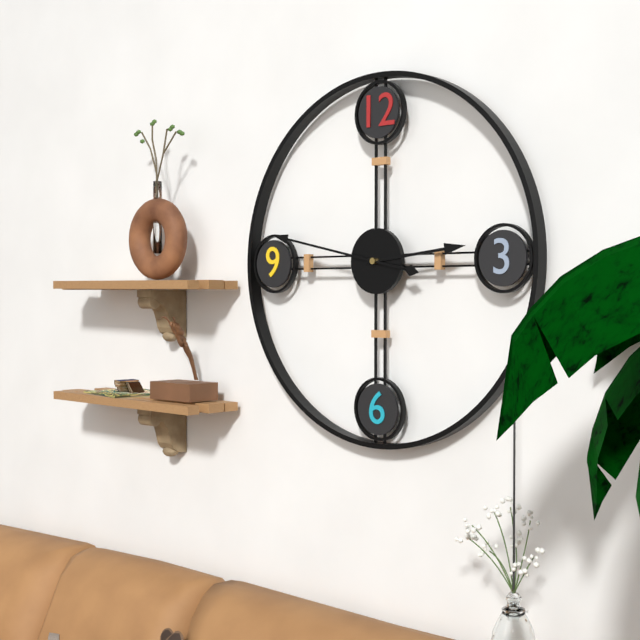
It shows {"hour": 2, "minute": 47}
